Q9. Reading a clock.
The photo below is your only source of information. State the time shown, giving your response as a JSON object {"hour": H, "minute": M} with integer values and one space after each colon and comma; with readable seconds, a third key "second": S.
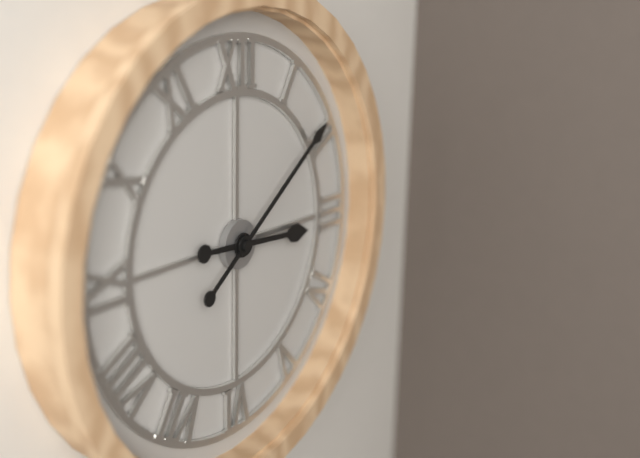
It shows {"hour": 3, "minute": 9}
